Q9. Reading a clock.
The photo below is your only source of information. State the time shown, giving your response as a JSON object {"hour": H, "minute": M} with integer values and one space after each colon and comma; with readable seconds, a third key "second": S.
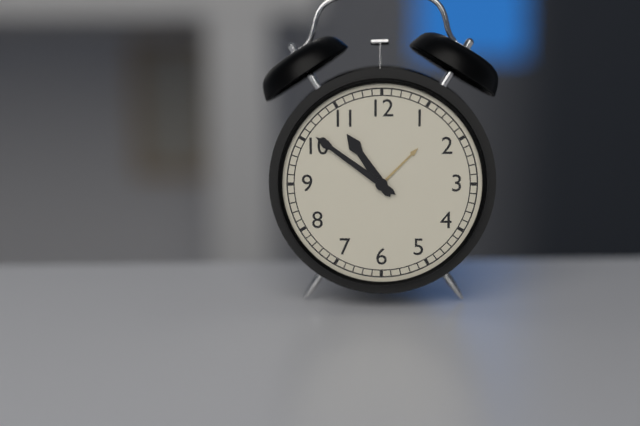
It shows {"hour": 10, "minute": 51}
